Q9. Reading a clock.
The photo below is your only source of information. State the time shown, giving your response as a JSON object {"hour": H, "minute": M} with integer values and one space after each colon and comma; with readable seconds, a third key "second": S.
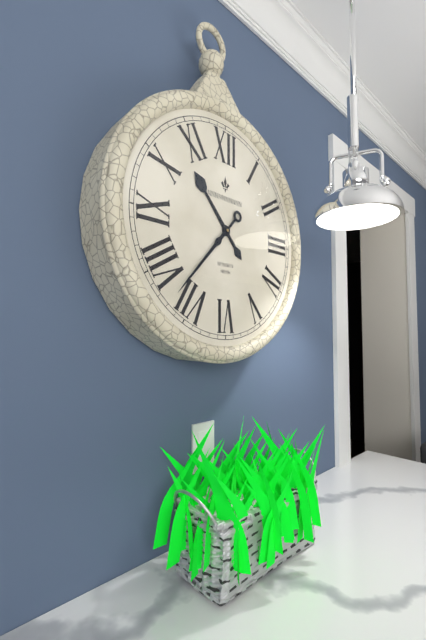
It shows {"hour": 10, "minute": 37}
